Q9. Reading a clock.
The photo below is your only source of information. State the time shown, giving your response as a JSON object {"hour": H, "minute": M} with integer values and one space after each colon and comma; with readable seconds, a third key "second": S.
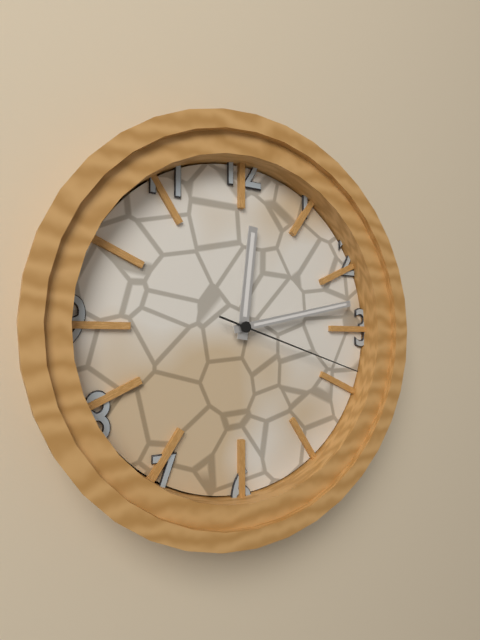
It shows {"hour": 12, "minute": 13, "second": 18}
